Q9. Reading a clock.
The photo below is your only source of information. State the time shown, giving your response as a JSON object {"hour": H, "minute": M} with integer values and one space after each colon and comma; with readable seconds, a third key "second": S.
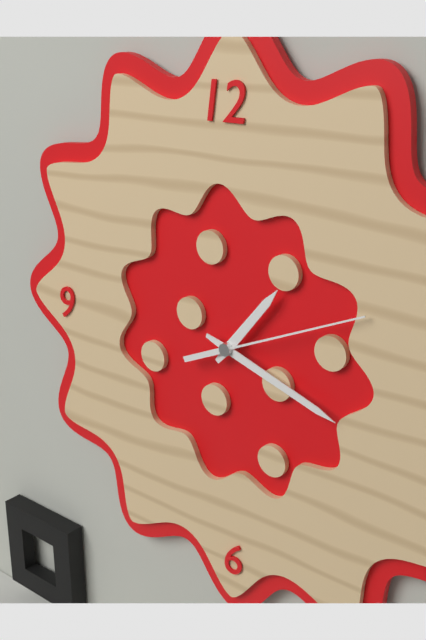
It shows {"hour": 1, "minute": 18, "second": 11}
